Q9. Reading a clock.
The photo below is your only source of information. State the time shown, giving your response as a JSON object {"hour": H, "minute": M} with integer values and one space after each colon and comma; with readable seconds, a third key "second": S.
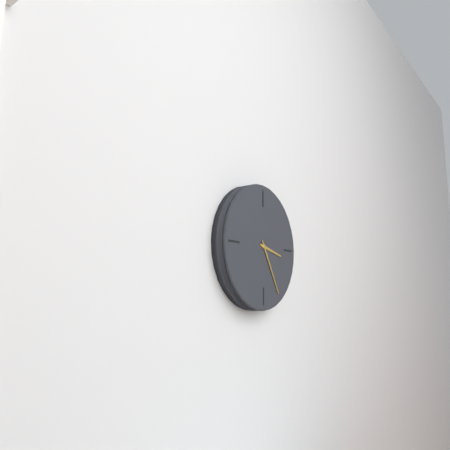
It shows {"hour": 3, "minute": 25}
